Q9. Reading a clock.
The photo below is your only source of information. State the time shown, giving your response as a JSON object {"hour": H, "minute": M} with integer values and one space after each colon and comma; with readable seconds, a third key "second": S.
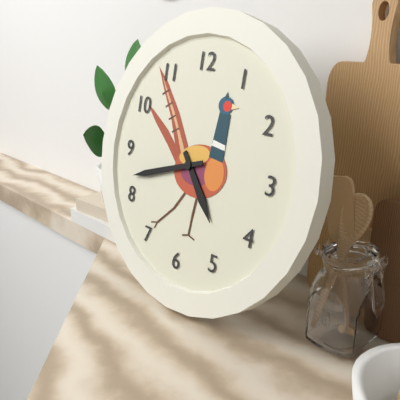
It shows {"hour": 4, "minute": 42}
